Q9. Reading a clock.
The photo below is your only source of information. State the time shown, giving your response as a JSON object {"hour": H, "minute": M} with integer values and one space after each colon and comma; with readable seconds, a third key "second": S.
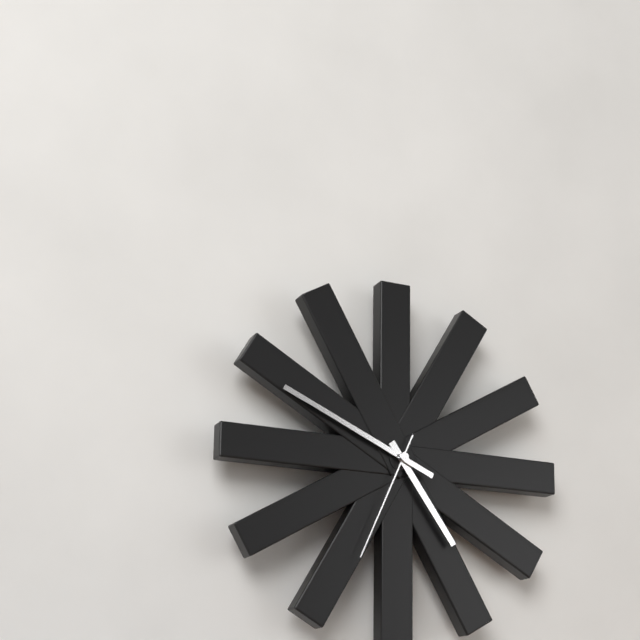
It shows {"hour": 4, "minute": 49, "second": 34}
